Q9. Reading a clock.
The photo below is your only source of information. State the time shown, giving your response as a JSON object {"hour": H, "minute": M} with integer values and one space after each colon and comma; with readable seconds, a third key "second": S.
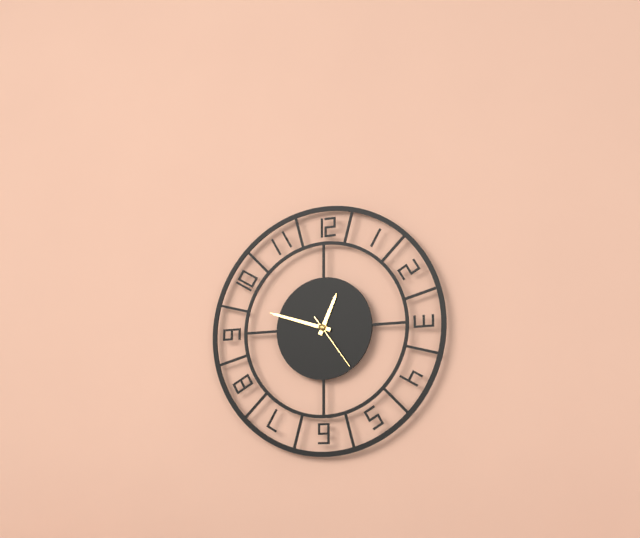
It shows {"hour": 12, "minute": 48, "second": 24}
